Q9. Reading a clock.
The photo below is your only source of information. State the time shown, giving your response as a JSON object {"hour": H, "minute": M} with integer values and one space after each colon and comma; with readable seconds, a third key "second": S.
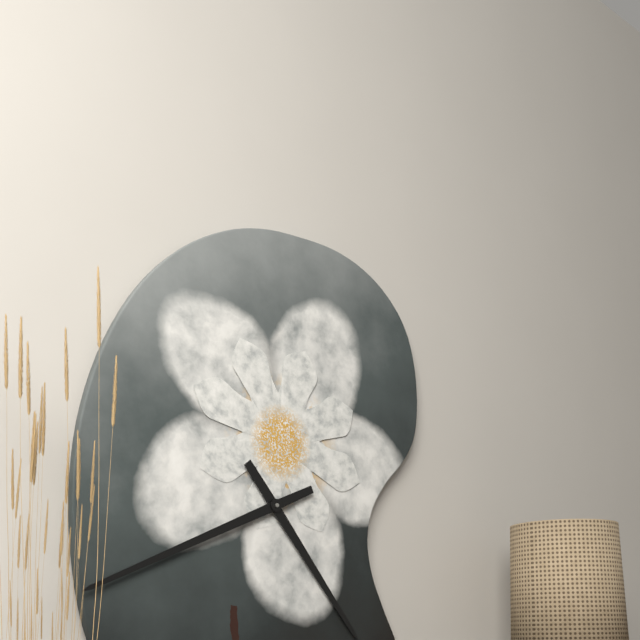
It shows {"hour": 4, "minute": 41}
